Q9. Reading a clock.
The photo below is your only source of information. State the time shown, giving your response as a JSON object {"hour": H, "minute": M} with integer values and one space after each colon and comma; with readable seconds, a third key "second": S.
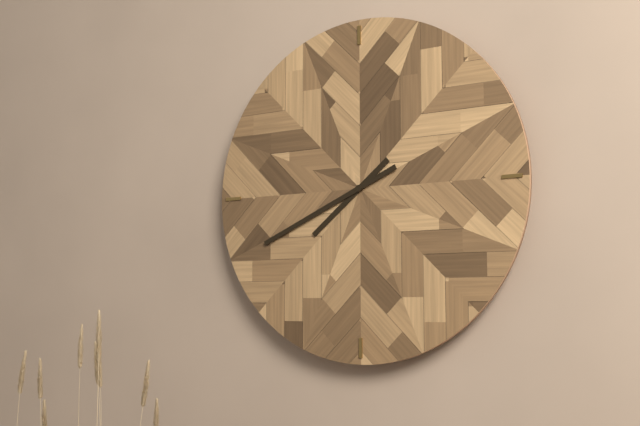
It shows {"hour": 7, "minute": 41}
